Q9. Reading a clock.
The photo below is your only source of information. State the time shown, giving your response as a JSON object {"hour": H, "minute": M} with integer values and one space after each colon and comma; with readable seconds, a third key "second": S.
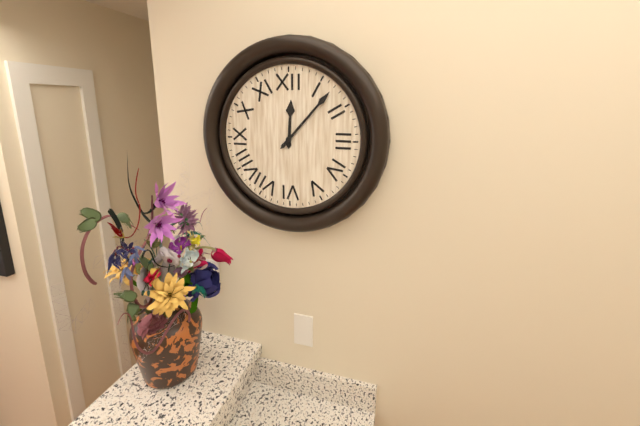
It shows {"hour": 12, "minute": 7}
